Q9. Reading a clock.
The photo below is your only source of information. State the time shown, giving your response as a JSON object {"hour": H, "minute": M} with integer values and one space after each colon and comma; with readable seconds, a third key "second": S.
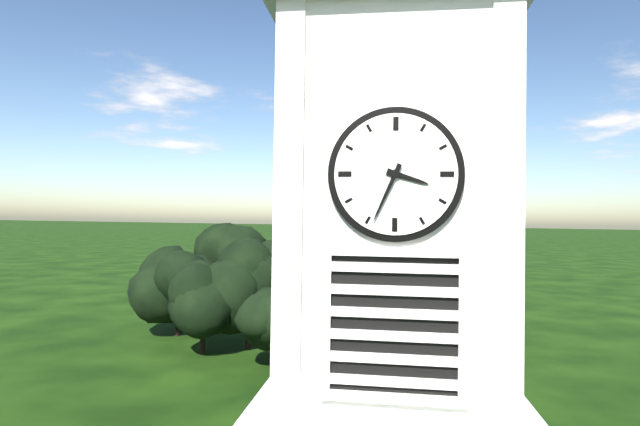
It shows {"hour": 3, "minute": 34}
